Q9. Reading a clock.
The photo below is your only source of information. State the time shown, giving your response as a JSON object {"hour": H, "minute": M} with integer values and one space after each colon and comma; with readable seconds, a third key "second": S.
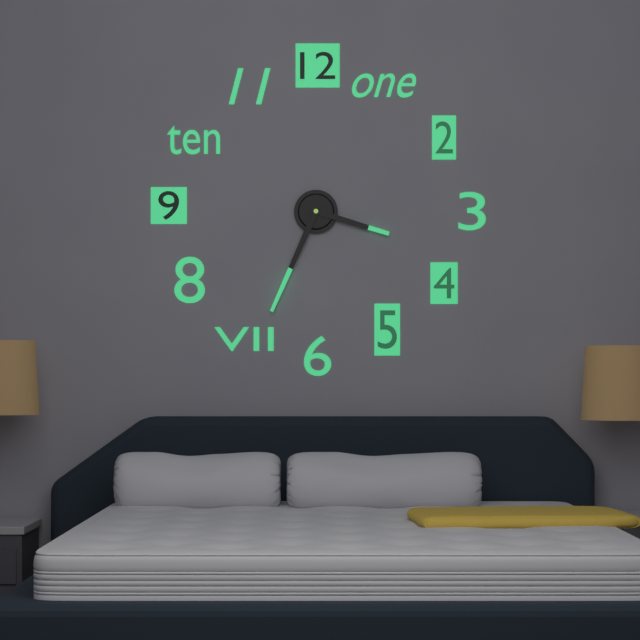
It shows {"hour": 3, "minute": 34}
